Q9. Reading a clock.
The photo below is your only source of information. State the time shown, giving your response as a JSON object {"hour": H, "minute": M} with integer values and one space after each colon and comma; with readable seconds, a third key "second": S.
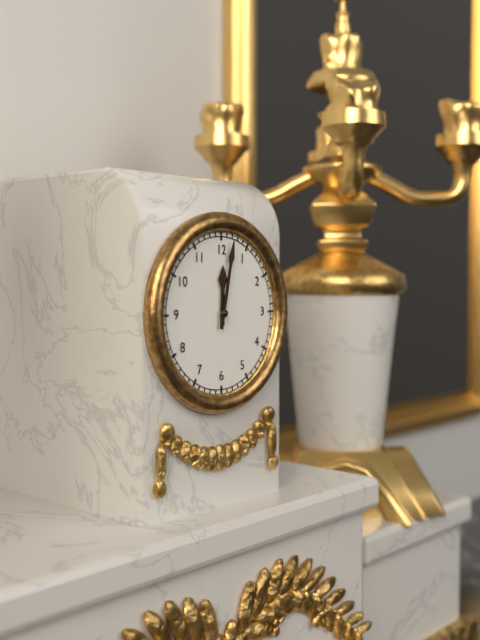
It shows {"hour": 12, "minute": 2}
